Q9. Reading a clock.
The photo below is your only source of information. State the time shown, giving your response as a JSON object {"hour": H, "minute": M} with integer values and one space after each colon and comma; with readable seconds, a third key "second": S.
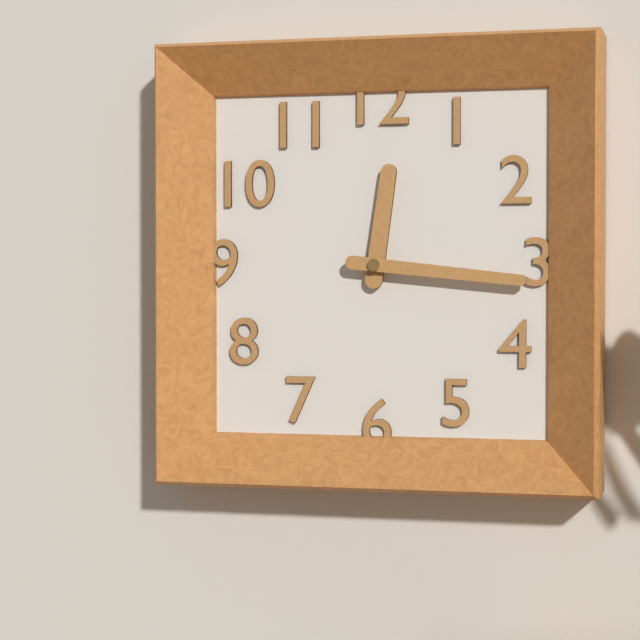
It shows {"hour": 12, "minute": 16}
